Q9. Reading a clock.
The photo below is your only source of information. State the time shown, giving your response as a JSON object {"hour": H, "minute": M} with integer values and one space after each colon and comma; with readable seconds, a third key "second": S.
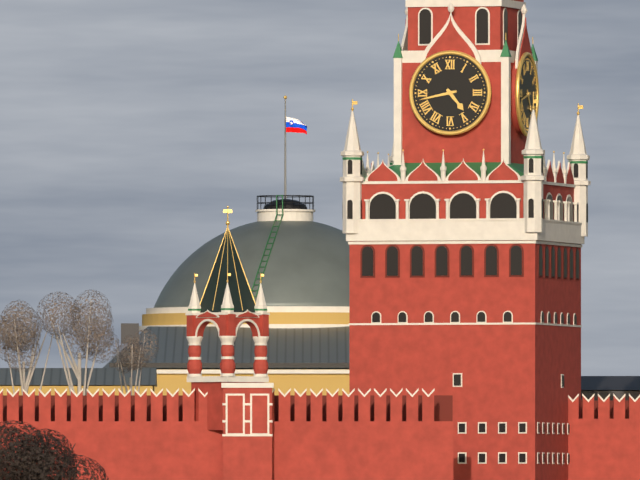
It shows {"hour": 4, "minute": 43}
